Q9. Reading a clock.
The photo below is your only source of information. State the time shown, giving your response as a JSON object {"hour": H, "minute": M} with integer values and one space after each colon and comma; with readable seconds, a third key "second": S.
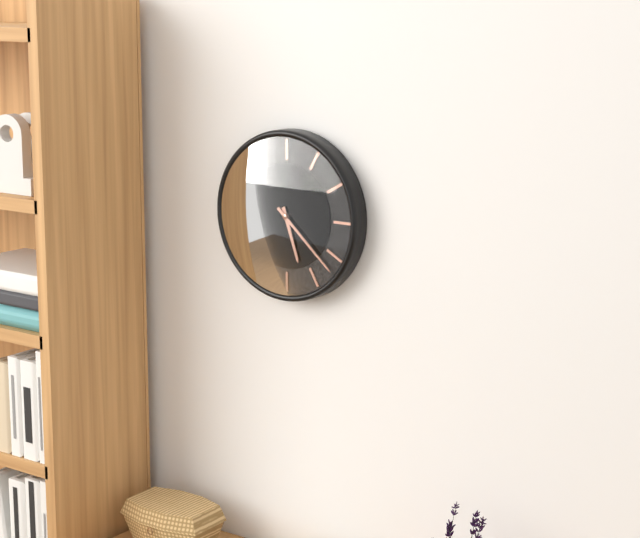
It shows {"hour": 5, "minute": 22}
